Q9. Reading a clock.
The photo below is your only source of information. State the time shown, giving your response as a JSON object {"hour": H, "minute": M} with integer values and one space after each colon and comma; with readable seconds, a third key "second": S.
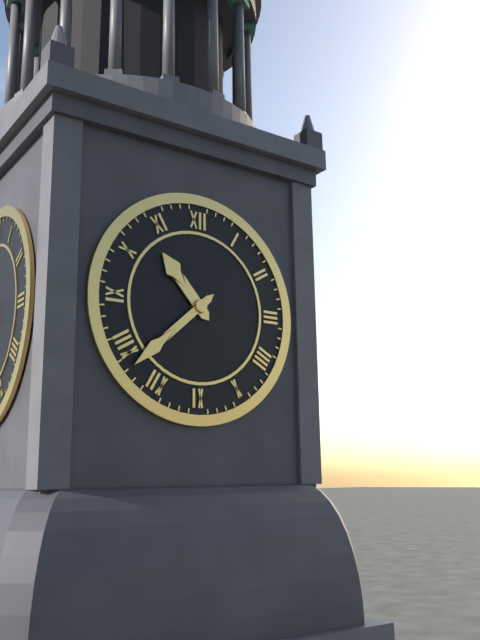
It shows {"hour": 10, "minute": 38}
